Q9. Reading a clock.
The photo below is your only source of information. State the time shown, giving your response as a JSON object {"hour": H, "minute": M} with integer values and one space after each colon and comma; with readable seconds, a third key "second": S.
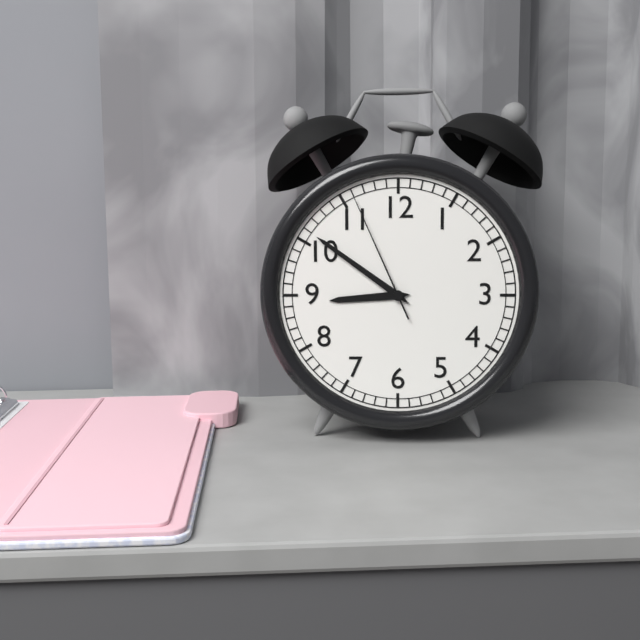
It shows {"hour": 8, "minute": 51, "second": 56}
